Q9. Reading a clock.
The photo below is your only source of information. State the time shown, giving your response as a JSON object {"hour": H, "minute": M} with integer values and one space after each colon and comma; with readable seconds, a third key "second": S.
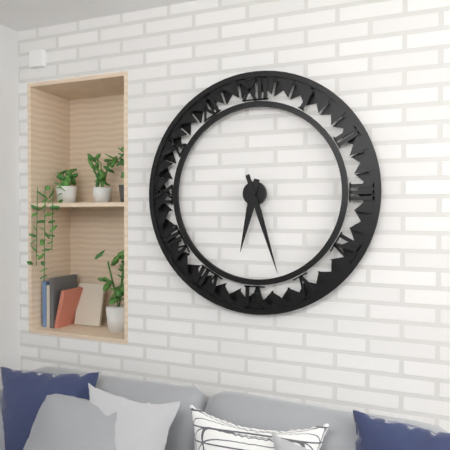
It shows {"hour": 6, "minute": 27}
